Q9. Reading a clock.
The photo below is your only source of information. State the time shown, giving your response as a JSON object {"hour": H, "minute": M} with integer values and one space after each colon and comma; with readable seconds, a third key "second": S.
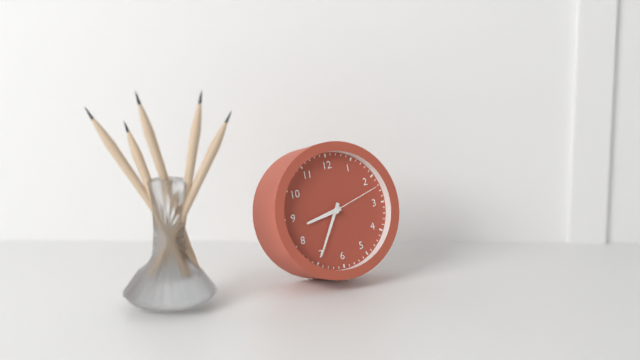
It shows {"hour": 8, "minute": 35, "second": 12}
